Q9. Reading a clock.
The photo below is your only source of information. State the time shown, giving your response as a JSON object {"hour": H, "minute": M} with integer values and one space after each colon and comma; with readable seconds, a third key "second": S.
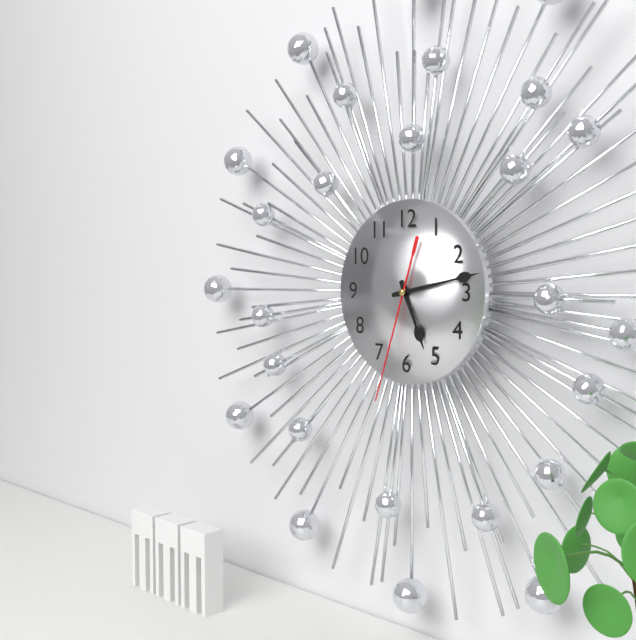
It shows {"hour": 5, "minute": 13, "second": 33}
